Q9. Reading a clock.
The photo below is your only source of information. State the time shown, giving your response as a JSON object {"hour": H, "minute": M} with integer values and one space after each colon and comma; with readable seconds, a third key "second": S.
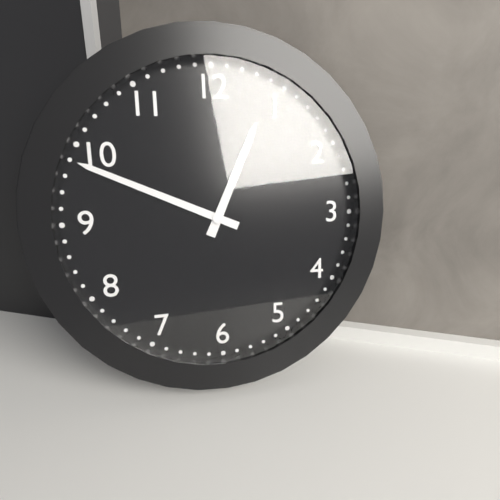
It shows {"hour": 12, "minute": 49}
